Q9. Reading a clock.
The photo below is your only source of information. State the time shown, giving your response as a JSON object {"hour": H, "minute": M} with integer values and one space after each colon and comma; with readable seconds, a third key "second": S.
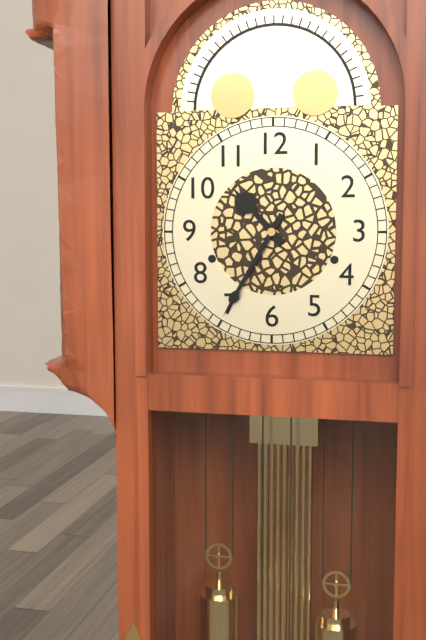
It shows {"hour": 10, "minute": 35}
